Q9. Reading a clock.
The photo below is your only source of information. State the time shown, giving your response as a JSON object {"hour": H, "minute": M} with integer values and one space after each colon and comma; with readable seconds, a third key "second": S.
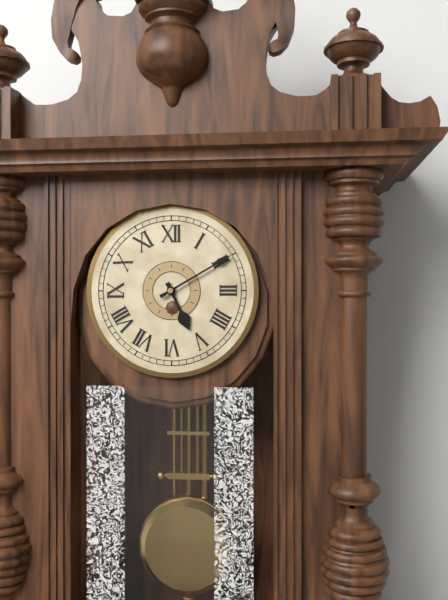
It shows {"hour": 5, "minute": 10}
